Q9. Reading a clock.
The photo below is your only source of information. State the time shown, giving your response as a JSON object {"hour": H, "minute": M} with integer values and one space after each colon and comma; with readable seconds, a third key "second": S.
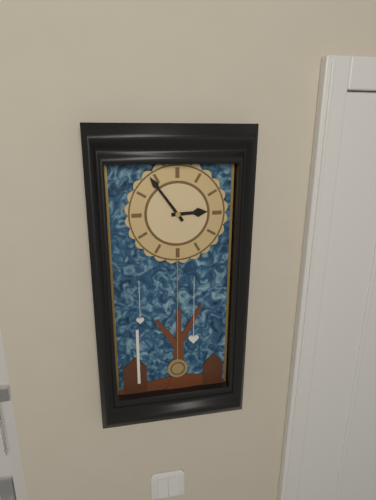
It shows {"hour": 2, "minute": 54}
